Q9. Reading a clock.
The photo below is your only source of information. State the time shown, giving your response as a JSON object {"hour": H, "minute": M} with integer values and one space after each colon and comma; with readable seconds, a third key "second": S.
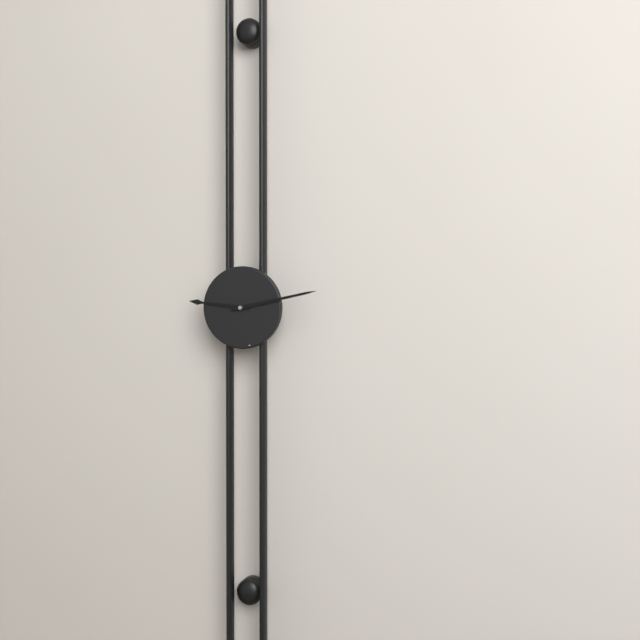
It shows {"hour": 9, "minute": 13}
